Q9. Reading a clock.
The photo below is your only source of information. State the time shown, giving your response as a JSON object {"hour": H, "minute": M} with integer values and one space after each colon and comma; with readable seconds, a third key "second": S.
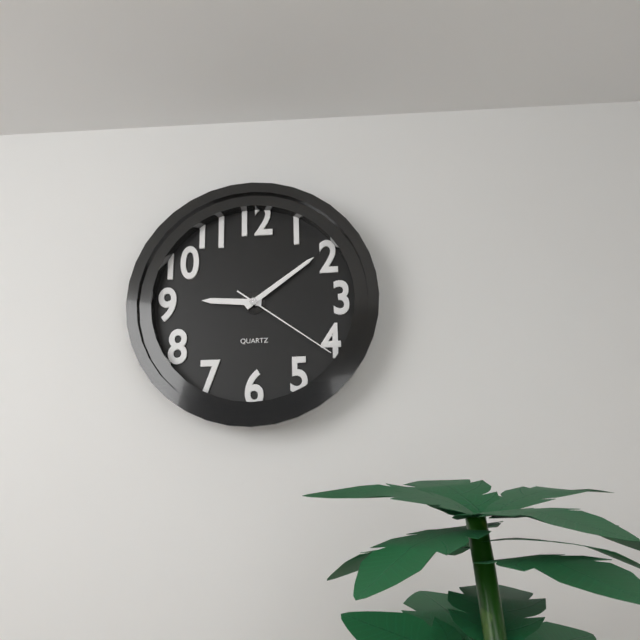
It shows {"hour": 9, "minute": 9, "second": 21}
